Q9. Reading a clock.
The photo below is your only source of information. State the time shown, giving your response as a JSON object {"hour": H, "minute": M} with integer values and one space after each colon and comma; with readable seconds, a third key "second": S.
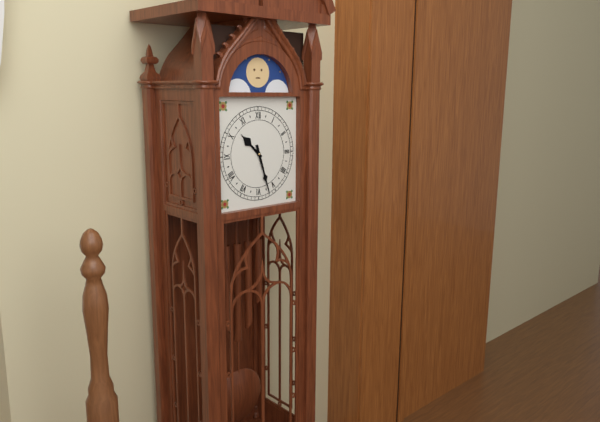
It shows {"hour": 10, "minute": 27}
